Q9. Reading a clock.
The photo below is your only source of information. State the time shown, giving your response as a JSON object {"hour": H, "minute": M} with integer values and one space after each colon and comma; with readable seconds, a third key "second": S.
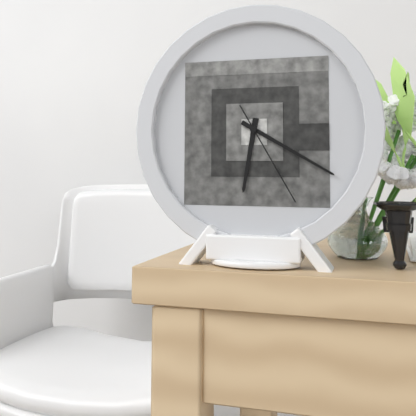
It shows {"hour": 6, "minute": 20, "second": 25}
